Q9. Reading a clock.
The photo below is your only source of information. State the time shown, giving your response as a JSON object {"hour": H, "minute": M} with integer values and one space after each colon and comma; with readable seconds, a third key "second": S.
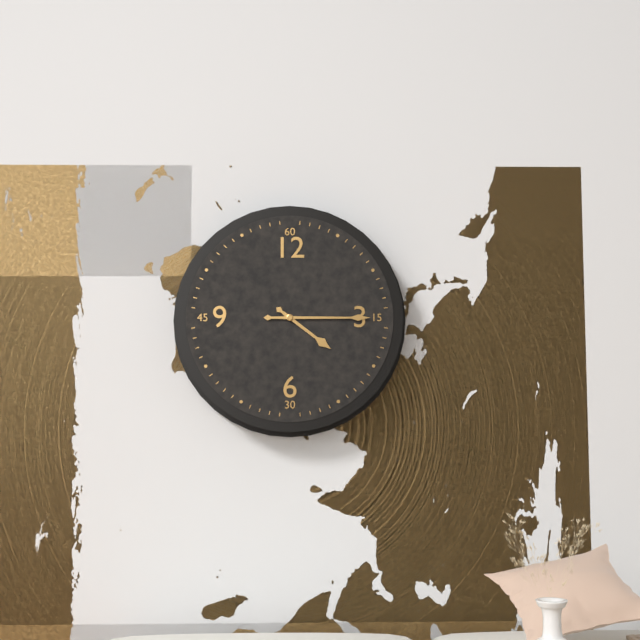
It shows {"hour": 4, "minute": 15}
